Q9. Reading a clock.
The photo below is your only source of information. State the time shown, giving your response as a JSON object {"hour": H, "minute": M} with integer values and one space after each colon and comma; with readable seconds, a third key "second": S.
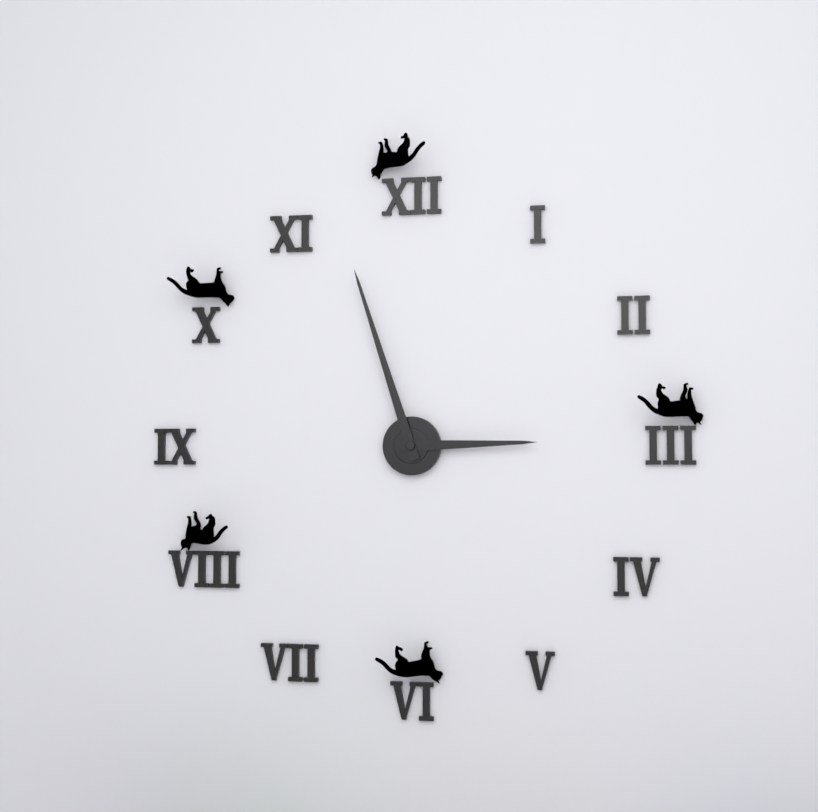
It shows {"hour": 2, "minute": 57}
